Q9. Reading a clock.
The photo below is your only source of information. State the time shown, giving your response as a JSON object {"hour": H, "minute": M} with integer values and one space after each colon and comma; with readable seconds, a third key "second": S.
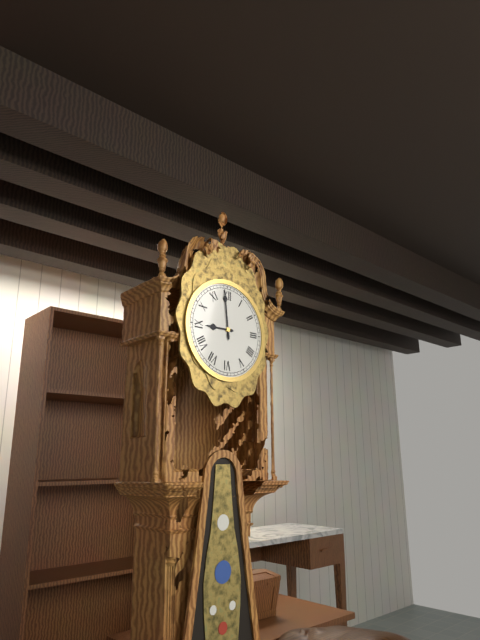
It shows {"hour": 8, "minute": 59}
